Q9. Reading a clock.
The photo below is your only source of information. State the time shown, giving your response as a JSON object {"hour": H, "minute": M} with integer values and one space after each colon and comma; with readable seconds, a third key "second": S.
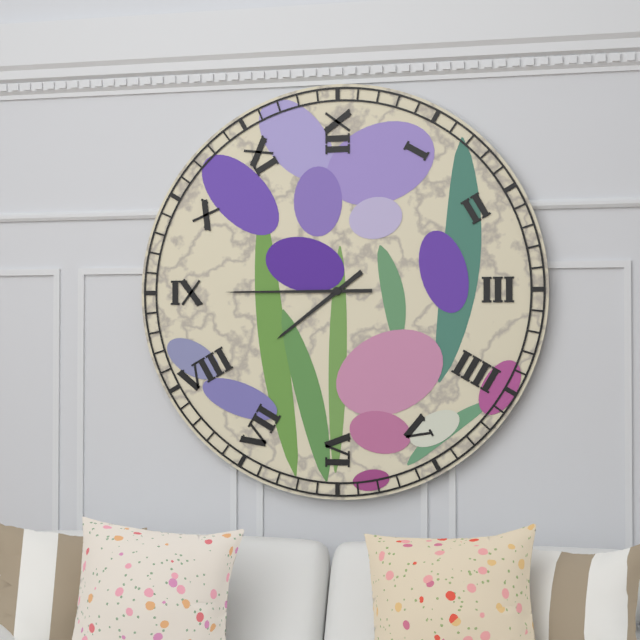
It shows {"hour": 7, "minute": 45}
